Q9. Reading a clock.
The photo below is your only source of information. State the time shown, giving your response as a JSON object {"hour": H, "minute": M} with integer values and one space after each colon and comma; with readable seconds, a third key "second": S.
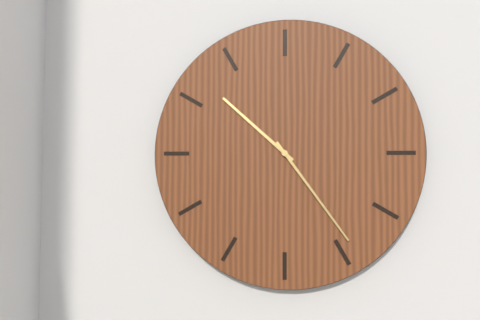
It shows {"hour": 10, "minute": 24}
